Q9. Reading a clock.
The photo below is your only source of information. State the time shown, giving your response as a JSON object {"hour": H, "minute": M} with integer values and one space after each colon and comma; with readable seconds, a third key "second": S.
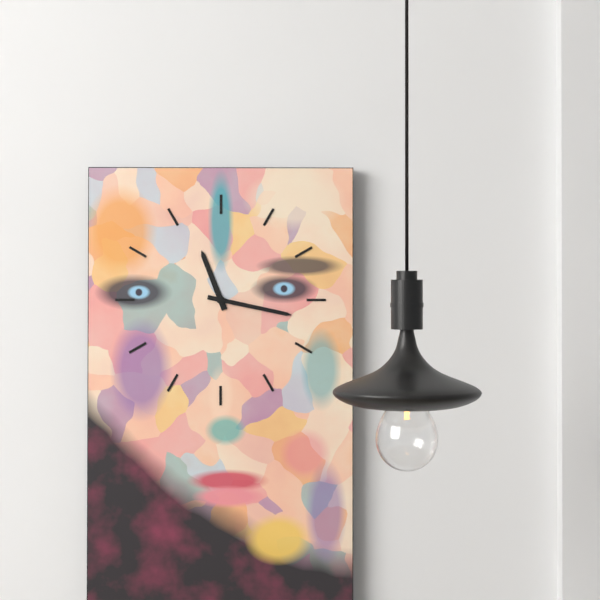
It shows {"hour": 11, "minute": 17}
